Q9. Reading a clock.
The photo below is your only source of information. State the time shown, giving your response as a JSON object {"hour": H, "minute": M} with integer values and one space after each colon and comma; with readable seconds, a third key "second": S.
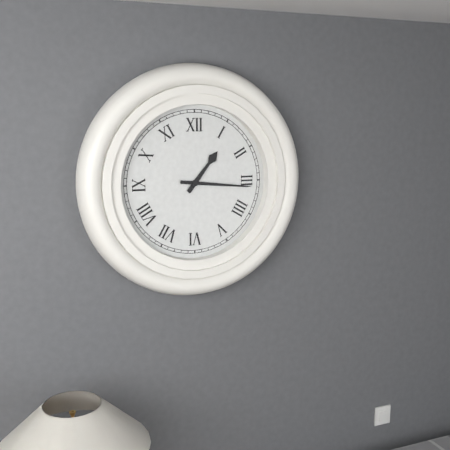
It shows {"hour": 1, "minute": 16}
